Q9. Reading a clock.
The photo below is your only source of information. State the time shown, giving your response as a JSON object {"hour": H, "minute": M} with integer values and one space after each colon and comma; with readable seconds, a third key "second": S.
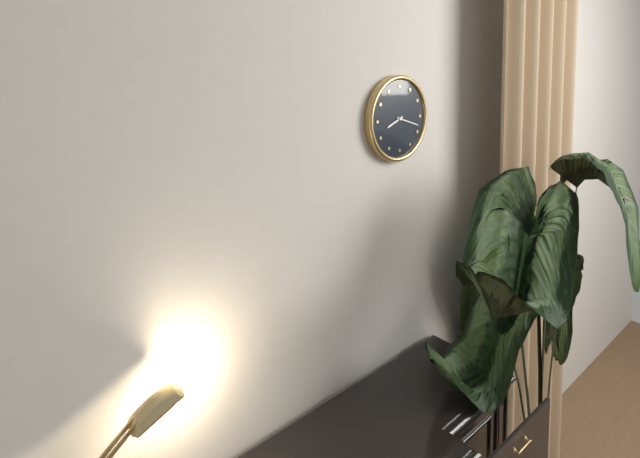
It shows {"hour": 8, "minute": 18}
